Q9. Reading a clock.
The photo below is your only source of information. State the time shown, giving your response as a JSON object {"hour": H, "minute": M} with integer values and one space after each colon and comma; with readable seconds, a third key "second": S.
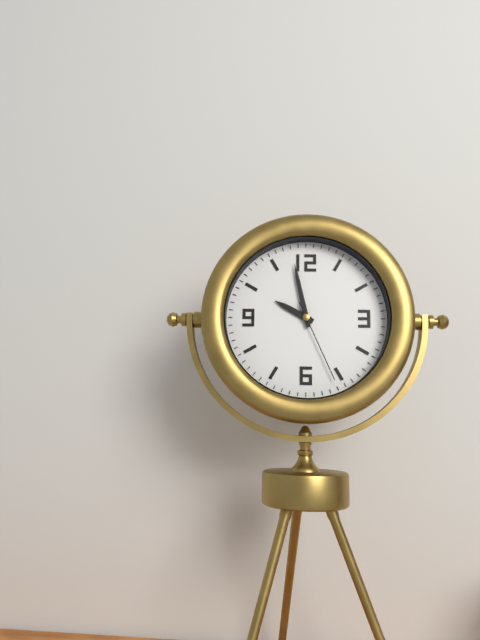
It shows {"hour": 9, "minute": 58, "second": 26}
